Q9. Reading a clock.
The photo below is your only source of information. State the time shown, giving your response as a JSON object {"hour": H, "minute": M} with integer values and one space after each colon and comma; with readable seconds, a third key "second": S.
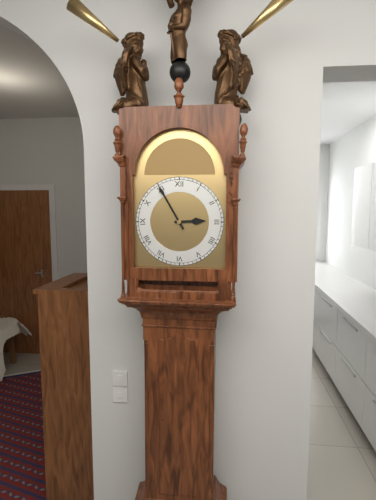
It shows {"hour": 2, "minute": 55}
